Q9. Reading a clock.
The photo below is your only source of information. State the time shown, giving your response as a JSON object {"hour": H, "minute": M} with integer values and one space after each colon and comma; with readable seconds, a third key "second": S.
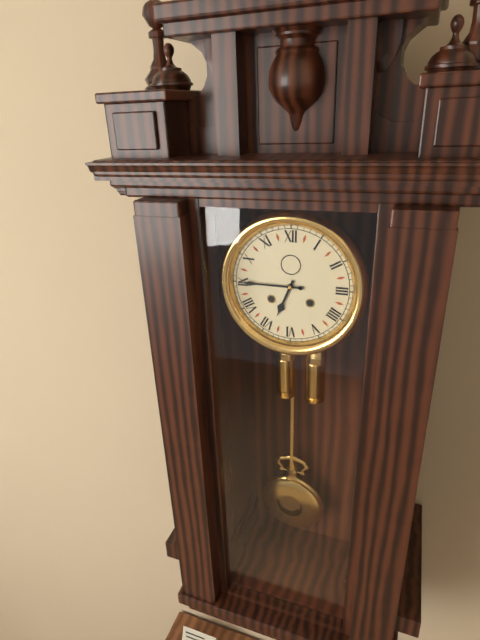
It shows {"hour": 6, "minute": 45}
